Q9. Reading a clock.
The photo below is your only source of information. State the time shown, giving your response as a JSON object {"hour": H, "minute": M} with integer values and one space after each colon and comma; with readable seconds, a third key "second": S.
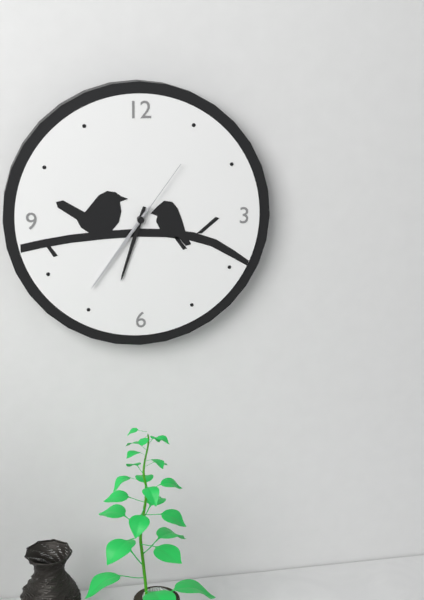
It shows {"hour": 6, "minute": 36, "second": 6}
